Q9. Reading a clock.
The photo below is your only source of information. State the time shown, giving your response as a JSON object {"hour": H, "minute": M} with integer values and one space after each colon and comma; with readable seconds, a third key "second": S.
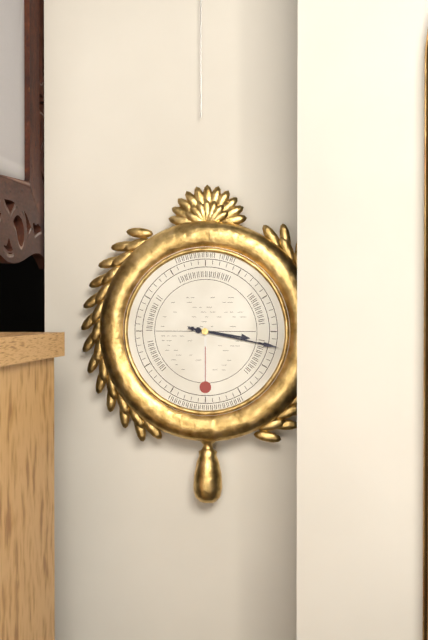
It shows {"hour": 3, "minute": 17}
